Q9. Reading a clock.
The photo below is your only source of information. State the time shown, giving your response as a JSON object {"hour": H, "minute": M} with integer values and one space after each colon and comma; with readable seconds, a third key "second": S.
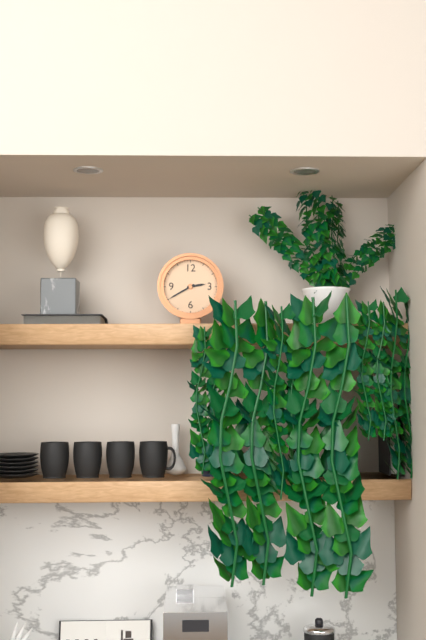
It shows {"hour": 2, "minute": 40}
